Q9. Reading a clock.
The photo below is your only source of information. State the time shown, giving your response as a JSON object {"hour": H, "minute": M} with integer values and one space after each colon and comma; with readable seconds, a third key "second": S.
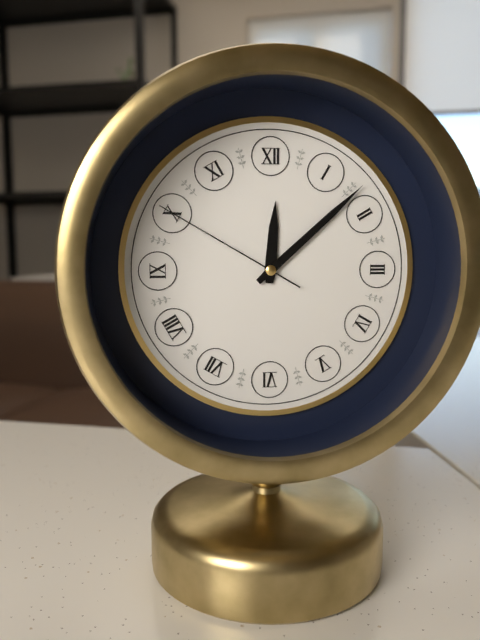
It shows {"hour": 12, "minute": 8, "second": 50}
